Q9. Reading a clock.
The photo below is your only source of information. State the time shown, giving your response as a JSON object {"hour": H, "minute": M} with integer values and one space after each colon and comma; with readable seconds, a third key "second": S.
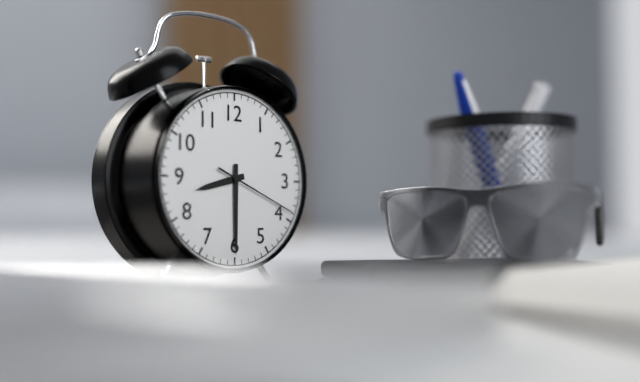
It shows {"hour": 8, "minute": 30, "second": 19}
